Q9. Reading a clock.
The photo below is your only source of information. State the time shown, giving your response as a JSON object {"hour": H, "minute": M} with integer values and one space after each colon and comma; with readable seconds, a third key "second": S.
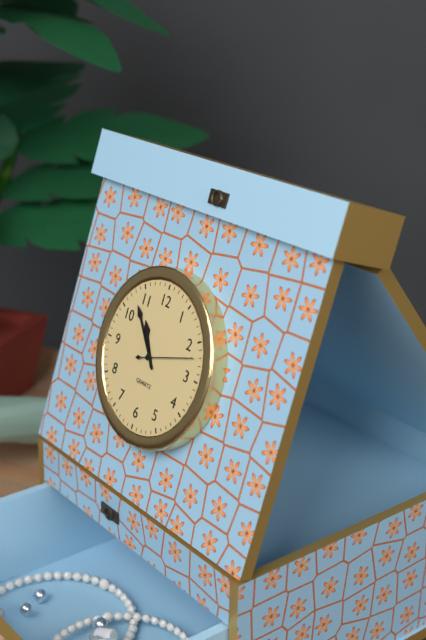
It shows {"hour": 10, "minute": 53, "second": 12}
